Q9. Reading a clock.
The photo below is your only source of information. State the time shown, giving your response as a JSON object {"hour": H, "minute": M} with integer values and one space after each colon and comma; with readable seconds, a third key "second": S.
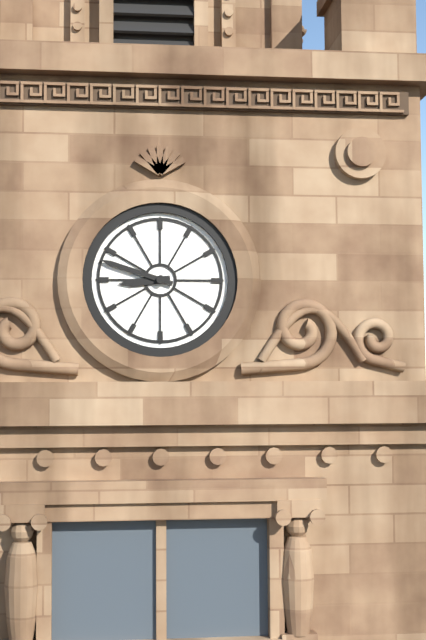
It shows {"hour": 8, "minute": 48}
